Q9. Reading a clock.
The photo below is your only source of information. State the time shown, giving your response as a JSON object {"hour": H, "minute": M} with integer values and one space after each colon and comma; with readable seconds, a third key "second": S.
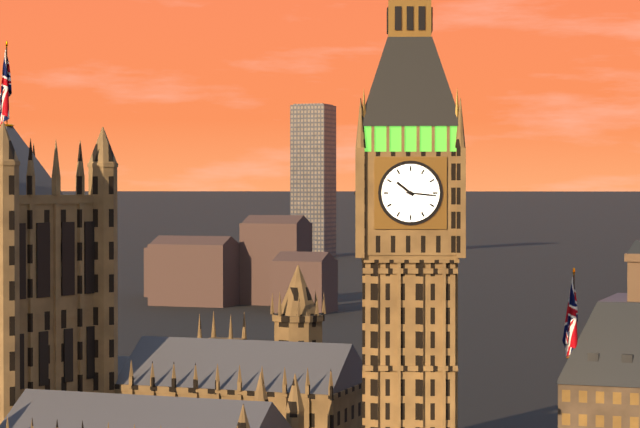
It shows {"hour": 10, "minute": 16}
